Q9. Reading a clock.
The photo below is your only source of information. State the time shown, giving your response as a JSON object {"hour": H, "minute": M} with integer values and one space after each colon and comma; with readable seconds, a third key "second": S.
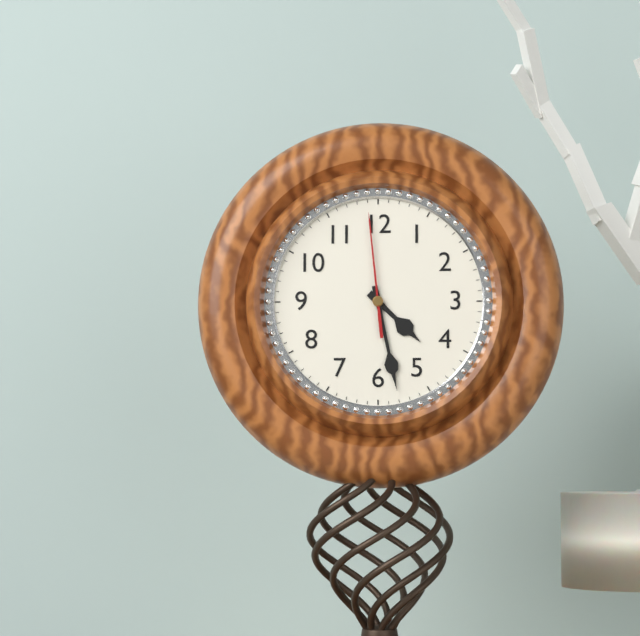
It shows {"hour": 4, "minute": 28, "second": 59}
